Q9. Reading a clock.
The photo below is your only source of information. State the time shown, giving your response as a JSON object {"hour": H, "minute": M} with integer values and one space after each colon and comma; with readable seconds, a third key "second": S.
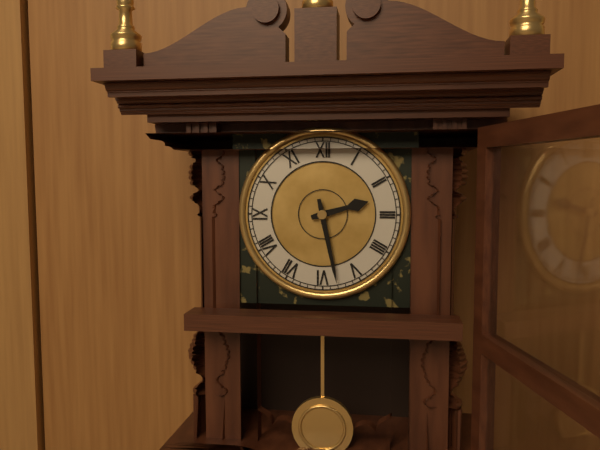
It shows {"hour": 2, "minute": 28}
